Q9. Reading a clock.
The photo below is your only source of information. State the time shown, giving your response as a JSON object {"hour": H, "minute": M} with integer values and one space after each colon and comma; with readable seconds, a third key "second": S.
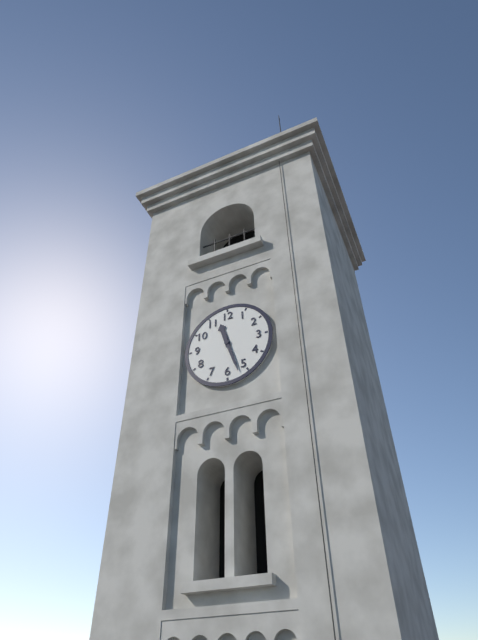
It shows {"hour": 11, "minute": 27}
